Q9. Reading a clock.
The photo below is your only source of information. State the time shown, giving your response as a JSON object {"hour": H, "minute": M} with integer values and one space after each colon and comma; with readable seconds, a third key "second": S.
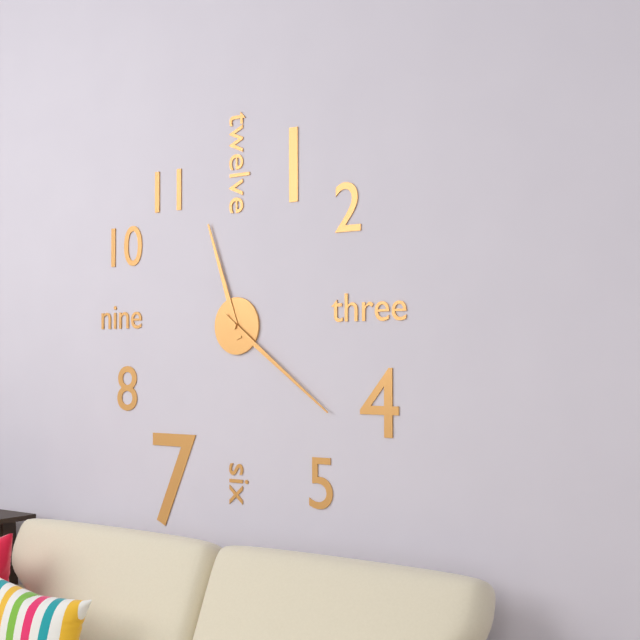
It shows {"hour": 11, "minute": 21}
